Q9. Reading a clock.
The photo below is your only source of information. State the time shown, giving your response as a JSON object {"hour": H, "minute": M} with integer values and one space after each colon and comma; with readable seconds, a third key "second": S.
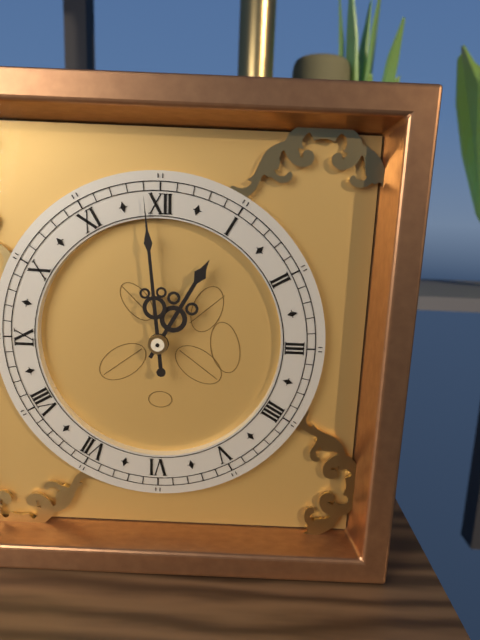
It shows {"hour": 12, "minute": 59}
